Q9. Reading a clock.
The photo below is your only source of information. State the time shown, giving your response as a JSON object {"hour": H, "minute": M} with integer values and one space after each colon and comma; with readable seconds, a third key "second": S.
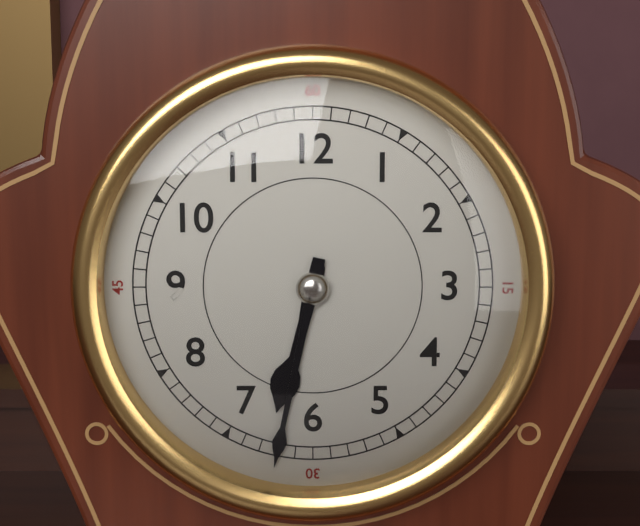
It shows {"hour": 6, "minute": 32}
